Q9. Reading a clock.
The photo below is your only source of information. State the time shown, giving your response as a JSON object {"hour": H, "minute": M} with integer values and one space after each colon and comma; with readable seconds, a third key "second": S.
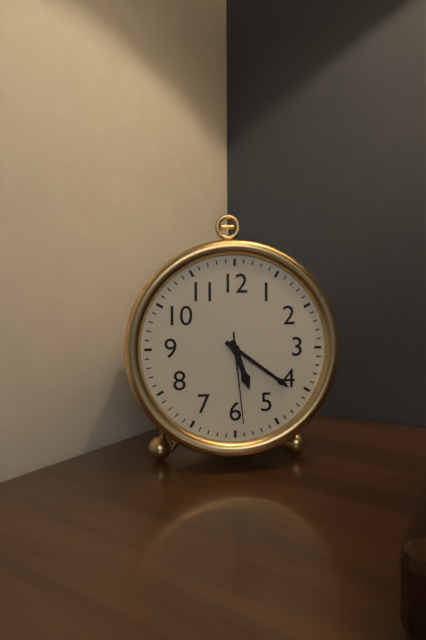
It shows {"hour": 5, "minute": 21, "second": 29}
